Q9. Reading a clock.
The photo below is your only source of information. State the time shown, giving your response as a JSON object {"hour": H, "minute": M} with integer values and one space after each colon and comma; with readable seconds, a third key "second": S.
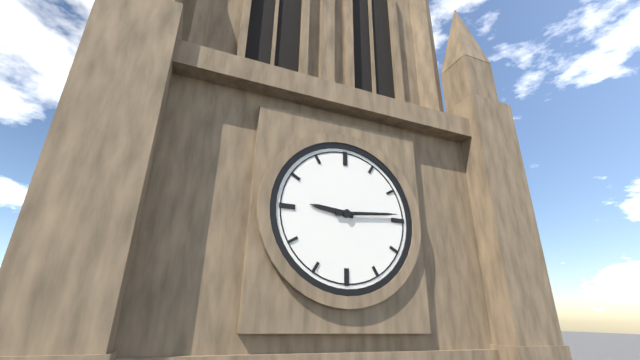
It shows {"hour": 9, "minute": 14}
